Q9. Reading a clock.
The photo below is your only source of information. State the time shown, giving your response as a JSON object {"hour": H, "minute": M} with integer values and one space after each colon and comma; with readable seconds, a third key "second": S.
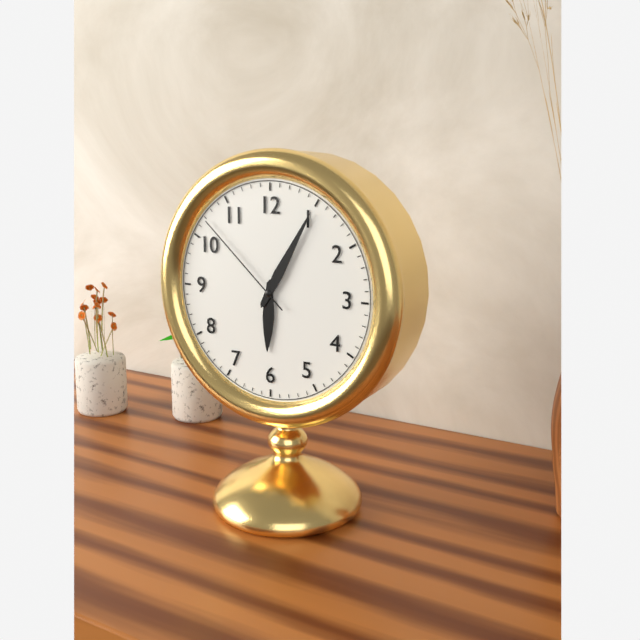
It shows {"hour": 6, "minute": 5, "second": 52}
